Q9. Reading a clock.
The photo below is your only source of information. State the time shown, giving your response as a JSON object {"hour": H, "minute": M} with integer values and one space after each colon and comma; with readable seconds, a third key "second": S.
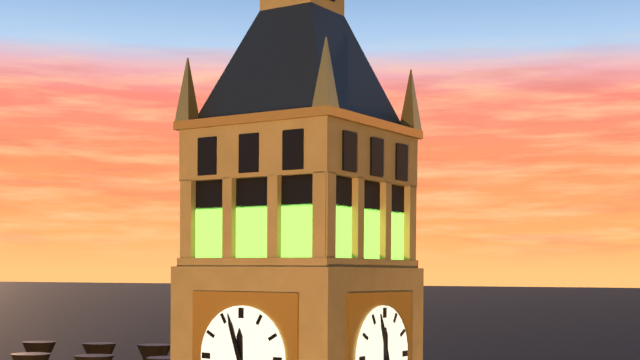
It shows {"hour": 11, "minute": 57}
